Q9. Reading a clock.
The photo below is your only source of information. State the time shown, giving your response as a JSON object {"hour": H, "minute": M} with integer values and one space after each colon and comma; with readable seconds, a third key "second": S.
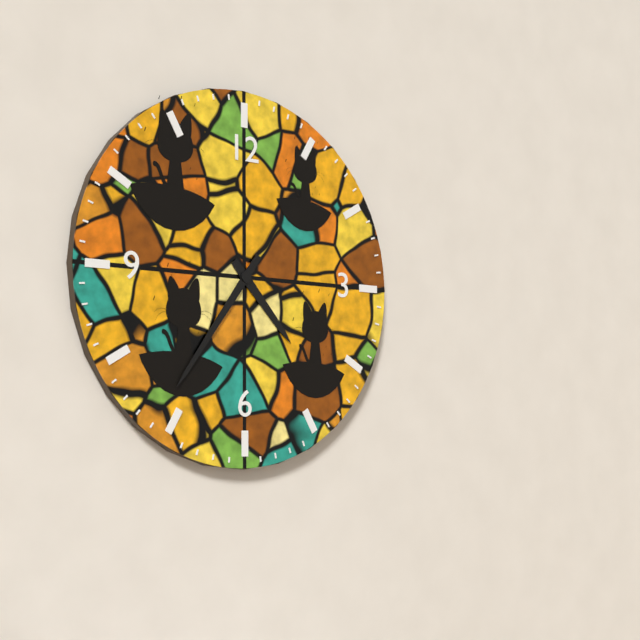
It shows {"hour": 4, "minute": 36}
